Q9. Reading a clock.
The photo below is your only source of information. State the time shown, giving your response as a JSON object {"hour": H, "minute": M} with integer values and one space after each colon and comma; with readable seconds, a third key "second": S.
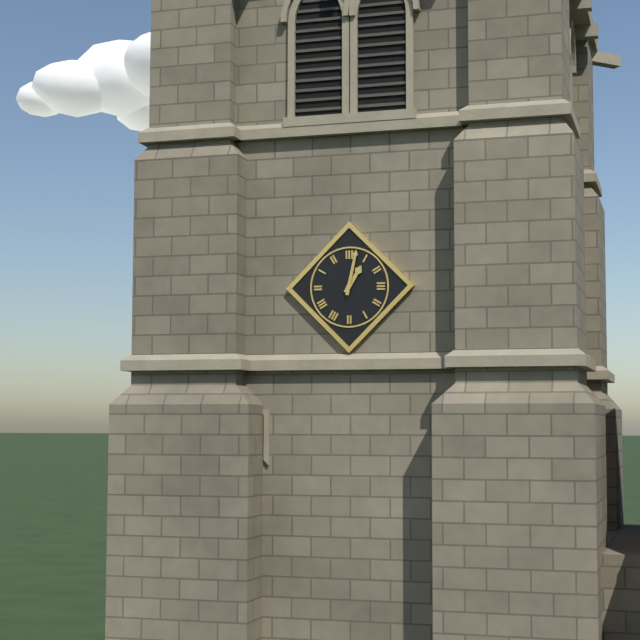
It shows {"hour": 1, "minute": 2}
